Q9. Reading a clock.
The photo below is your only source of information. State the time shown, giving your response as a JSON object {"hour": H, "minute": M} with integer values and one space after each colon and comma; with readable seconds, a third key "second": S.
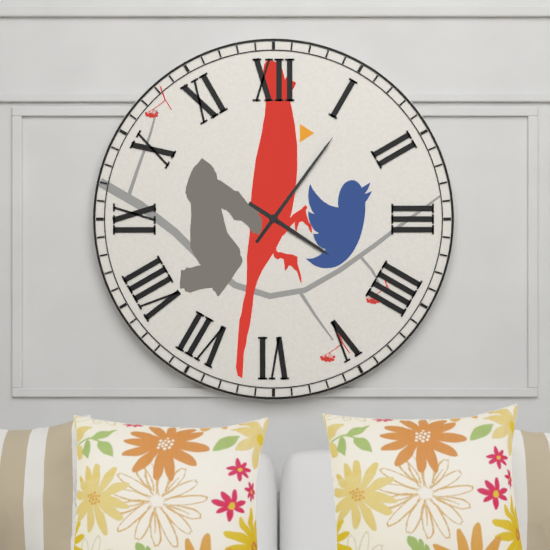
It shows {"hour": 4, "minute": 6}
